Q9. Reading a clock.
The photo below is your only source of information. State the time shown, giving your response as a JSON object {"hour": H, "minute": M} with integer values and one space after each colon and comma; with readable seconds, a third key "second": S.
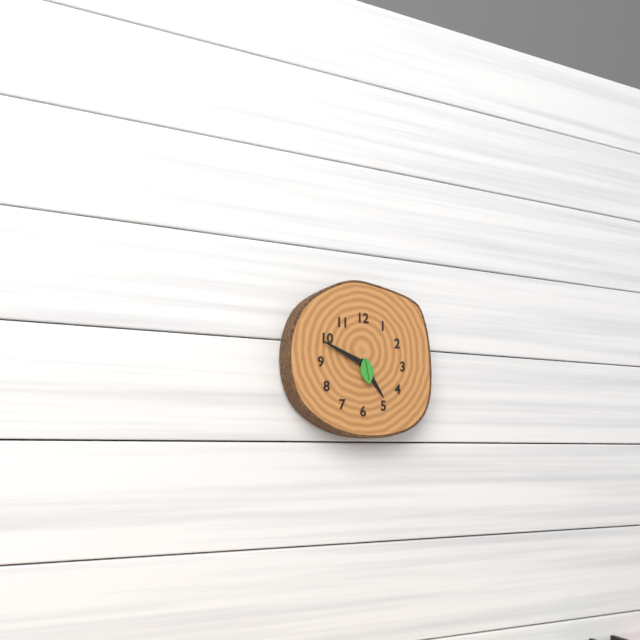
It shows {"hour": 4, "minute": 49}
